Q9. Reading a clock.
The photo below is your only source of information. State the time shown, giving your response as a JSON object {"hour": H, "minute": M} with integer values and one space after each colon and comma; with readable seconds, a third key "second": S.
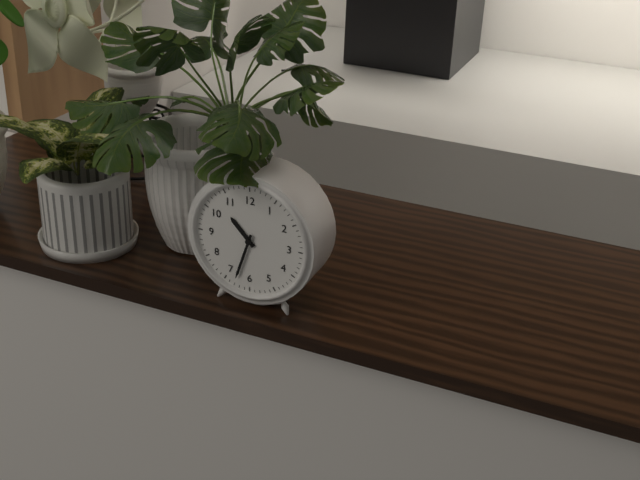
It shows {"hour": 10, "minute": 33}
